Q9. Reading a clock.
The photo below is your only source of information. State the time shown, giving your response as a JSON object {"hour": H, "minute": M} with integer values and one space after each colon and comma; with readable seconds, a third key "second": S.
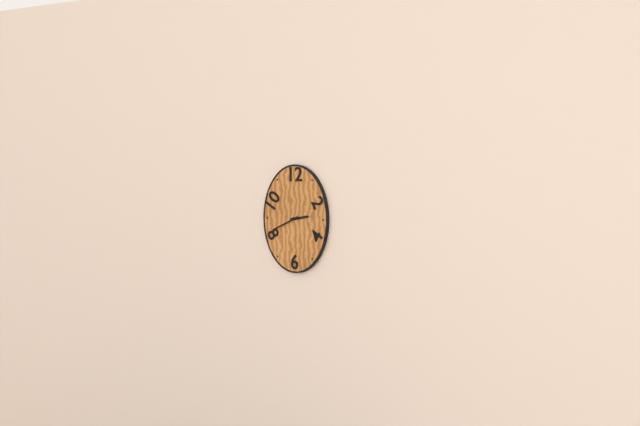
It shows {"hour": 2, "minute": 41}
